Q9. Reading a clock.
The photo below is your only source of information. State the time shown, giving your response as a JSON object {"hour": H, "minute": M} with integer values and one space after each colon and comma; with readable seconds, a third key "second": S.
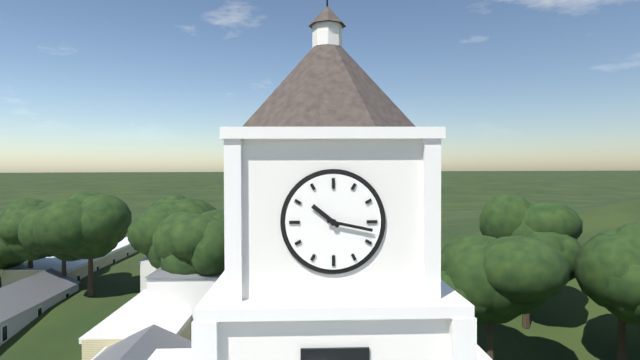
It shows {"hour": 10, "minute": 17}
